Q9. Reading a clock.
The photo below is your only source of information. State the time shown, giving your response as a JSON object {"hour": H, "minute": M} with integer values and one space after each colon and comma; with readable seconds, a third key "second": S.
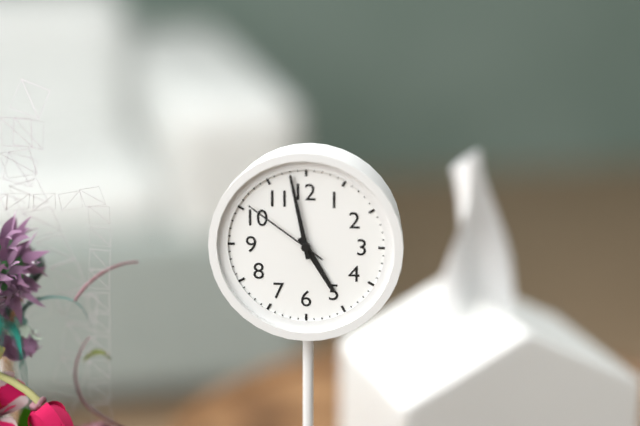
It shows {"hour": 4, "minute": 58, "second": 51}
